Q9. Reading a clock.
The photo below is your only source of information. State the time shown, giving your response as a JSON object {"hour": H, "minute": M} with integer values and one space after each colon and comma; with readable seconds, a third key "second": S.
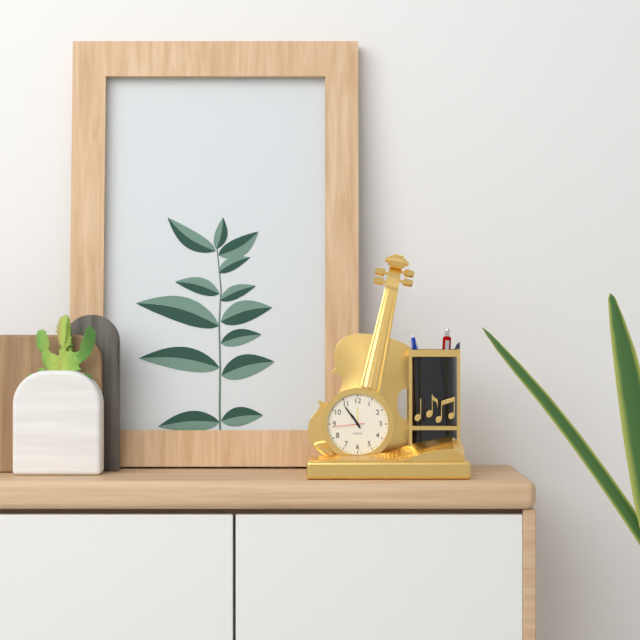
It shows {"hour": 10, "minute": 54}
